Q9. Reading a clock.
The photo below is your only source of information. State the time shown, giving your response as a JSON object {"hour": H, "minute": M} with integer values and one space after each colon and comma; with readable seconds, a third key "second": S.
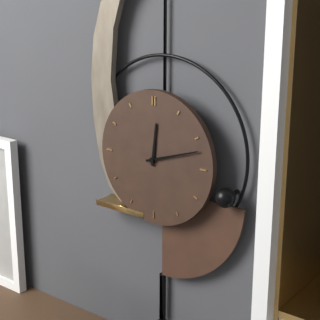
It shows {"hour": 12, "minute": 12}
